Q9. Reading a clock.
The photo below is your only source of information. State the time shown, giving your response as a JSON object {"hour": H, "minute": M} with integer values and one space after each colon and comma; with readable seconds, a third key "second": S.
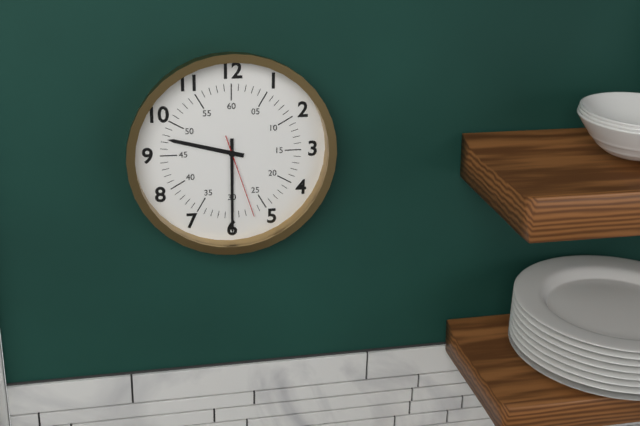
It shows {"hour": 9, "minute": 30, "second": 27}
